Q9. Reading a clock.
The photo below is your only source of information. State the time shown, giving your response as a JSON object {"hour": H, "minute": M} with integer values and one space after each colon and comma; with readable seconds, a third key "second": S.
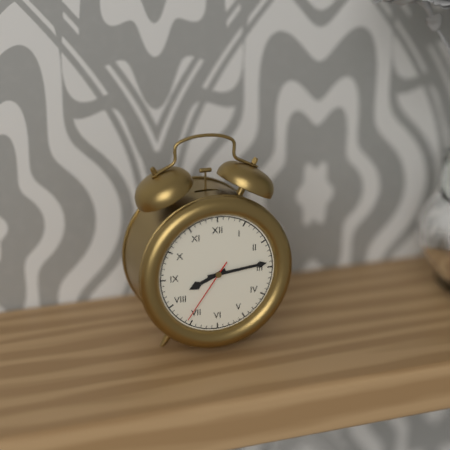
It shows {"hour": 8, "minute": 14, "second": 36}
